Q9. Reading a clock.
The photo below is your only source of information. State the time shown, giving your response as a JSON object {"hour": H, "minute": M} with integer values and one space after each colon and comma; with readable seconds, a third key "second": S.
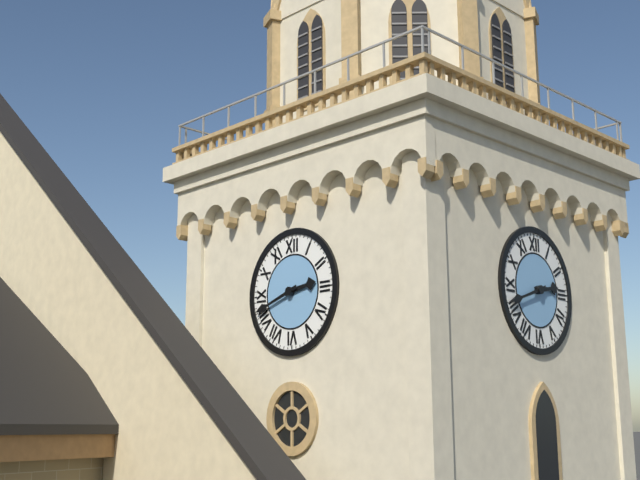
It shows {"hour": 2, "minute": 42}
